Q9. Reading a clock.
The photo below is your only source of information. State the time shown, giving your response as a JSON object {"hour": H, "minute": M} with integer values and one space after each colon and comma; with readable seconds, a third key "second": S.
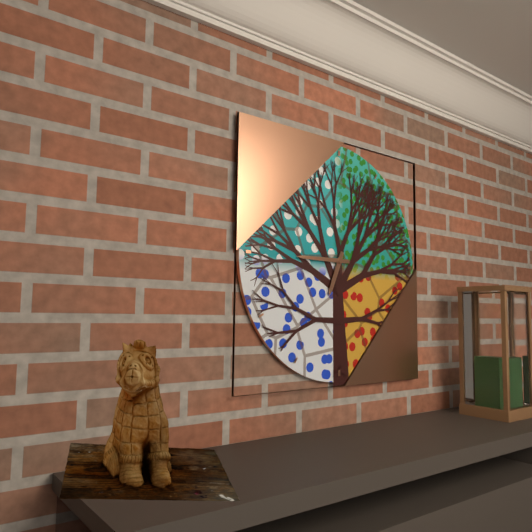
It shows {"hour": 6, "minute": 45}
